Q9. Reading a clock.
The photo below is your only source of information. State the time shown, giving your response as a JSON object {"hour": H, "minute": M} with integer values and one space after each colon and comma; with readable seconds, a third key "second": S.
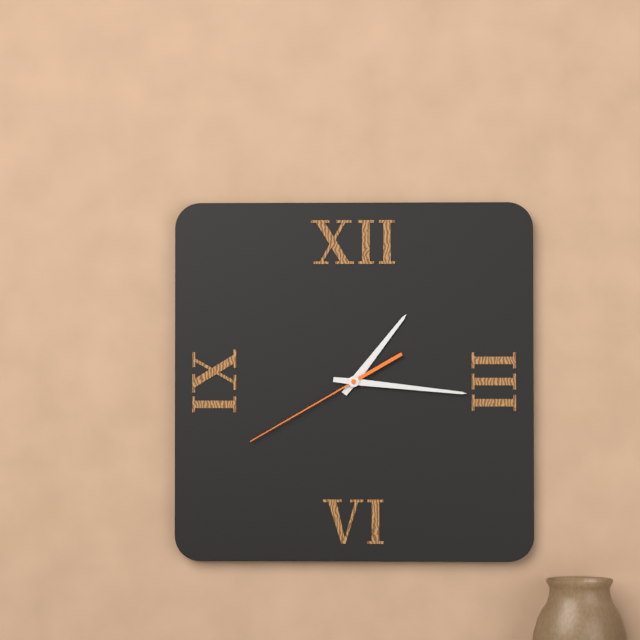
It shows {"hour": 1, "minute": 16, "second": 40}
